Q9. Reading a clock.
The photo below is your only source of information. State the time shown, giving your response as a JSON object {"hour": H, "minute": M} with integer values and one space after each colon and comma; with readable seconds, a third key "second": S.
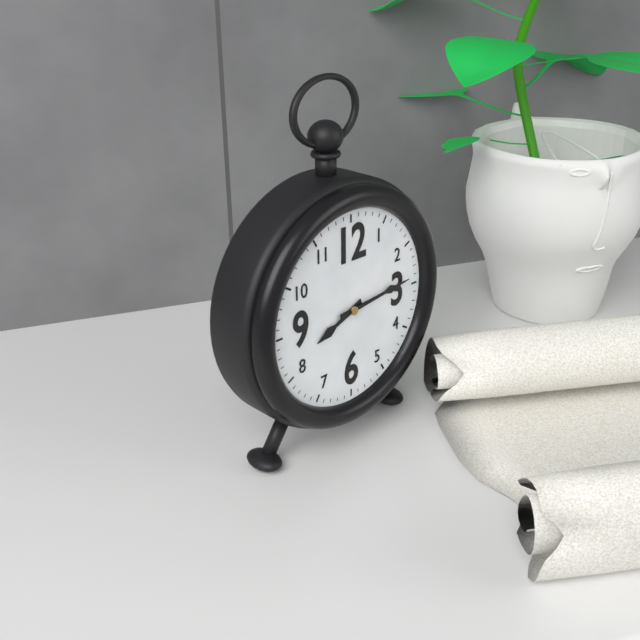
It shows {"hour": 8, "minute": 14}
